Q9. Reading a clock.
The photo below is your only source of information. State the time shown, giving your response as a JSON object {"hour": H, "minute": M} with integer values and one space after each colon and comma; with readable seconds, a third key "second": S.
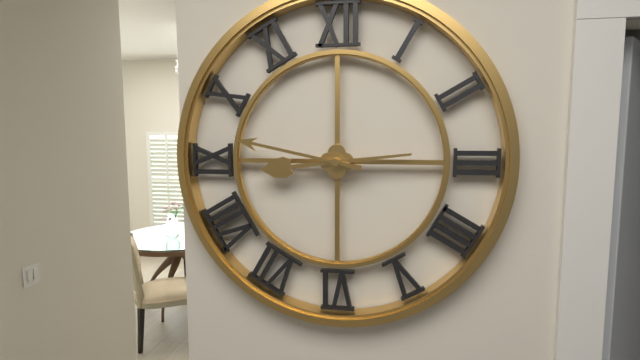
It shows {"hour": 8, "minute": 47}
